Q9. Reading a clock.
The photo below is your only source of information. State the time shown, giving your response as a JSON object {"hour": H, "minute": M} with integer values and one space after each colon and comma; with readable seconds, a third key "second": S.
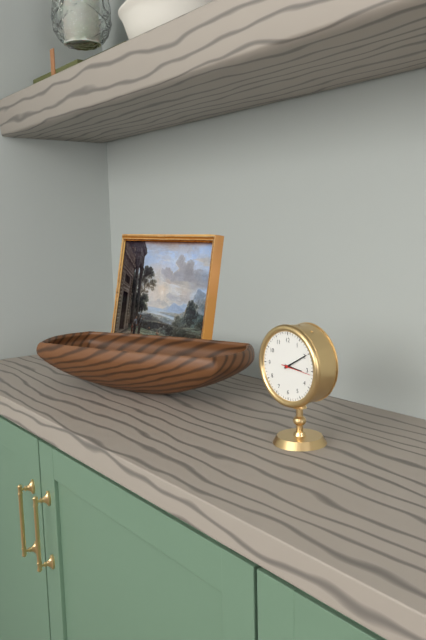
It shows {"hour": 3, "minute": 10}
